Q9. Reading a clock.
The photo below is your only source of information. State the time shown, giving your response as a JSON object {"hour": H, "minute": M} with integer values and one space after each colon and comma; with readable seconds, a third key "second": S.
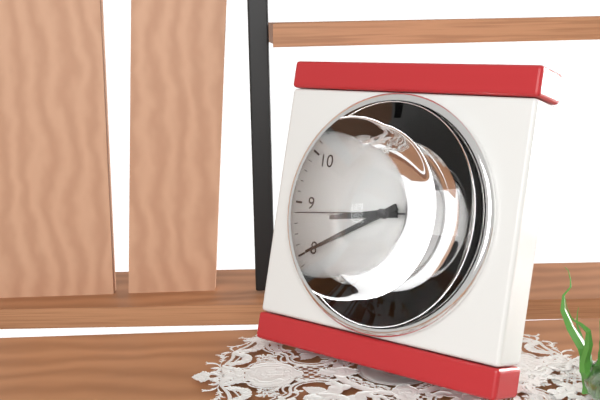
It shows {"hour": 8, "minute": 40, "second": 44}
